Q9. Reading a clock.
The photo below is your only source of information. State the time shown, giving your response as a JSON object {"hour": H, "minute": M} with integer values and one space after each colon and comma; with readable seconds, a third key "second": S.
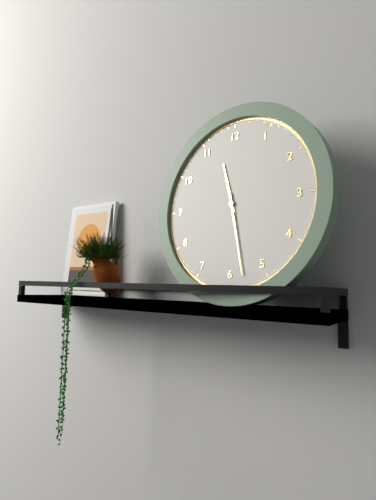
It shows {"hour": 11, "minute": 28}
